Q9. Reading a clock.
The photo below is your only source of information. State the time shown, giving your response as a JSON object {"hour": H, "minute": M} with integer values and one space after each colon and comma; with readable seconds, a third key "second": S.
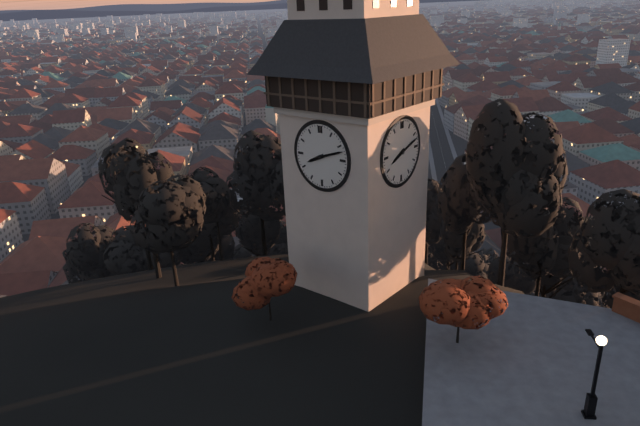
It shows {"hour": 8, "minute": 12}
